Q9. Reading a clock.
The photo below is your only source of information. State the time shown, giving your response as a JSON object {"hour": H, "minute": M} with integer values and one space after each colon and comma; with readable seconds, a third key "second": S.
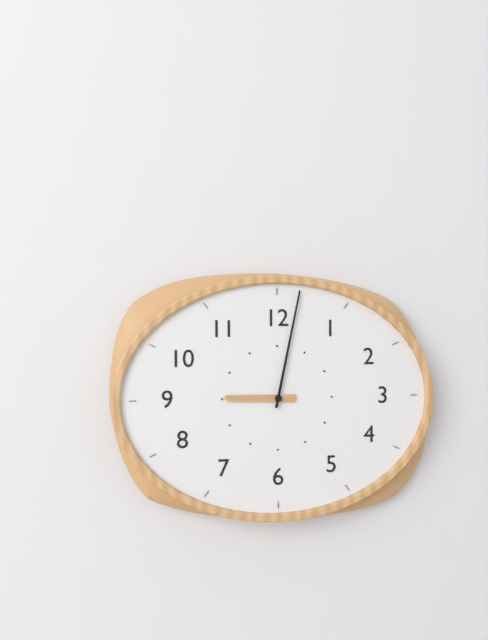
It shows {"hour": 9, "minute": 2}
